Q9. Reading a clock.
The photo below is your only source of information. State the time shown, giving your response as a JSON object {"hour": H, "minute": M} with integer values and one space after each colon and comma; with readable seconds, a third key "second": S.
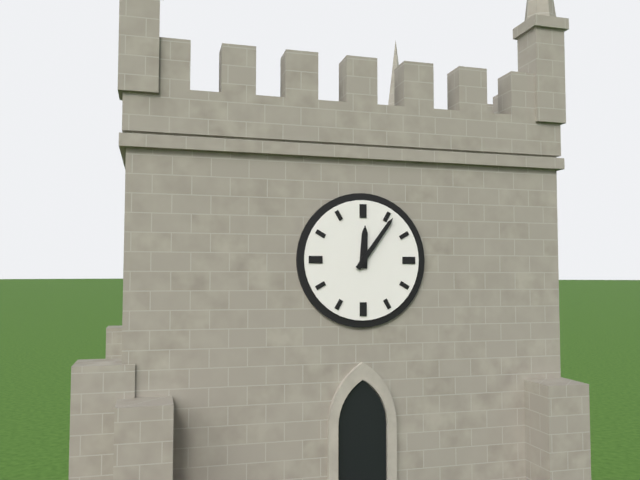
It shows {"hour": 12, "minute": 6}
